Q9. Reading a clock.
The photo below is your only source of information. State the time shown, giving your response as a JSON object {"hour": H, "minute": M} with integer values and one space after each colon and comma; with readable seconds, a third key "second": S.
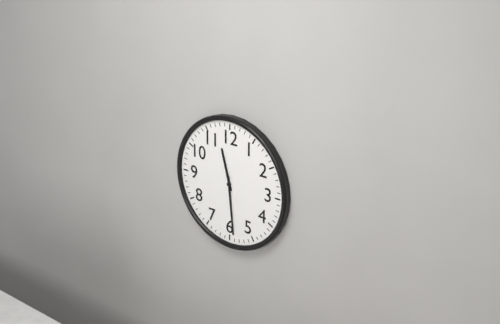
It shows {"hour": 11, "minute": 29}
